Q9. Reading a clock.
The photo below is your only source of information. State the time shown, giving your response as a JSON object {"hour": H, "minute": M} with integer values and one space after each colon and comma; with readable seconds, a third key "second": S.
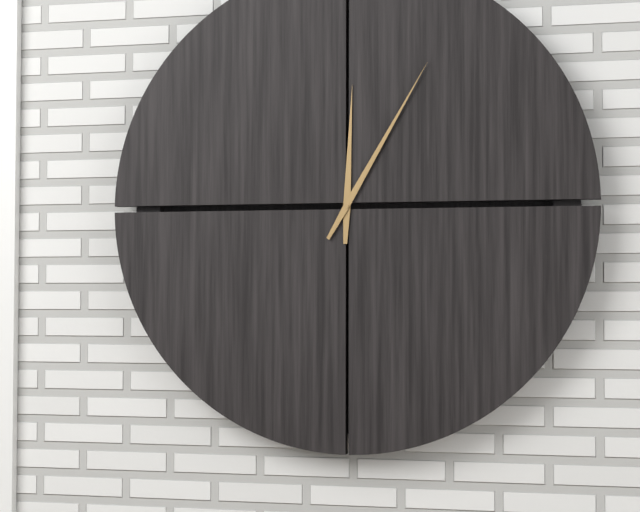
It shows {"hour": 12, "minute": 5}
